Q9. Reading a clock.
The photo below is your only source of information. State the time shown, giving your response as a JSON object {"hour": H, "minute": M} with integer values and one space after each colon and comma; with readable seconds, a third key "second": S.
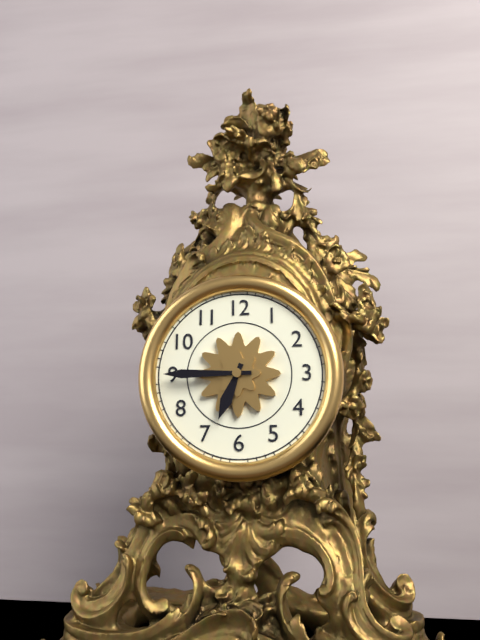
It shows {"hour": 6, "minute": 45}
